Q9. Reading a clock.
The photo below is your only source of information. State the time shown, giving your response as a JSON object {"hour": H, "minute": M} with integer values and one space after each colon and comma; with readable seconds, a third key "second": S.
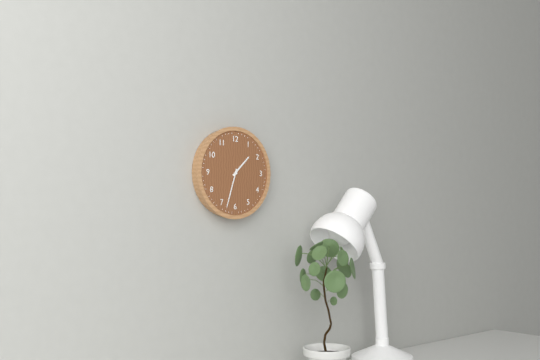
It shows {"hour": 1, "minute": 33}
